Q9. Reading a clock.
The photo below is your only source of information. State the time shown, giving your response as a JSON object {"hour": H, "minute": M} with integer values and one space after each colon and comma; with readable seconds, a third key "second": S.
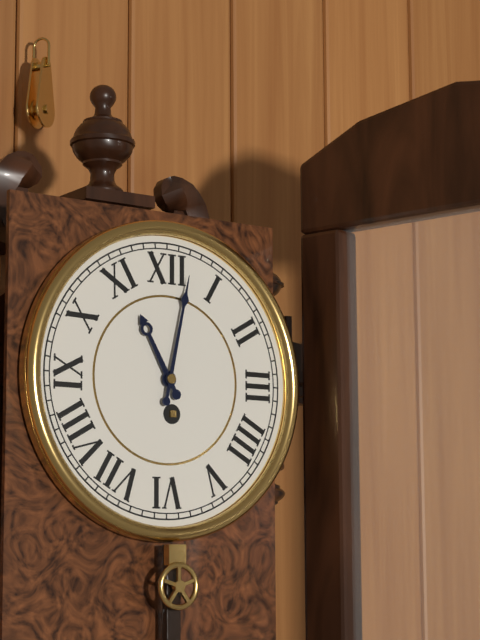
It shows {"hour": 11, "minute": 2}
